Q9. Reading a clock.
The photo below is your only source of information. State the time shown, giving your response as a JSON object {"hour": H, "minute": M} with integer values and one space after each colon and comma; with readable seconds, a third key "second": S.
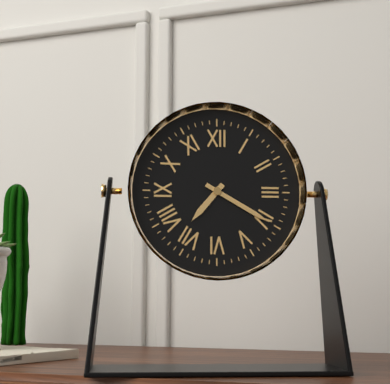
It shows {"hour": 7, "minute": 20}
